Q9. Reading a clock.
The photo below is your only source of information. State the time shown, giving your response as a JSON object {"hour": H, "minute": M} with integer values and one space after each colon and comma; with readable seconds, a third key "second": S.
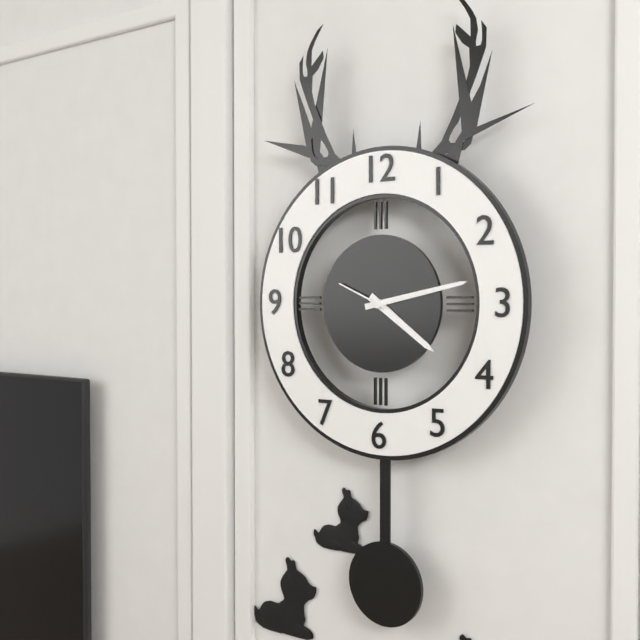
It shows {"hour": 4, "minute": 13, "second": 49}
